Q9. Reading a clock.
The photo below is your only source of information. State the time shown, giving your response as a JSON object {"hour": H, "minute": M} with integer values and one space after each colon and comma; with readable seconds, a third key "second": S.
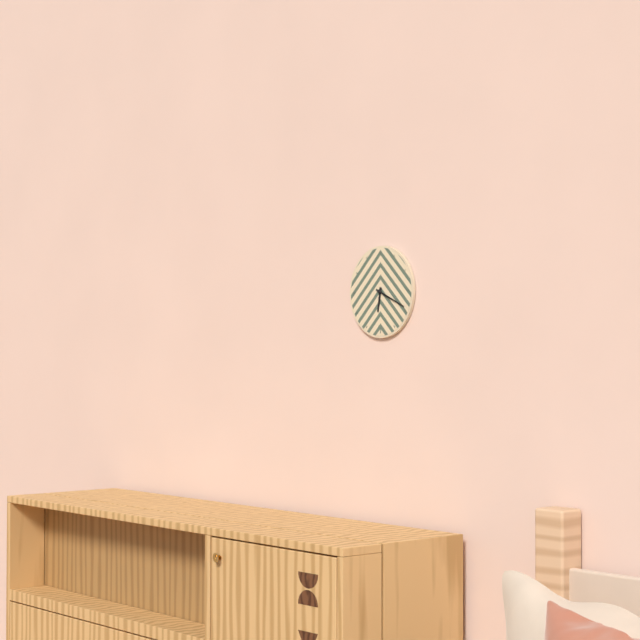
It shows {"hour": 6, "minute": 19}
